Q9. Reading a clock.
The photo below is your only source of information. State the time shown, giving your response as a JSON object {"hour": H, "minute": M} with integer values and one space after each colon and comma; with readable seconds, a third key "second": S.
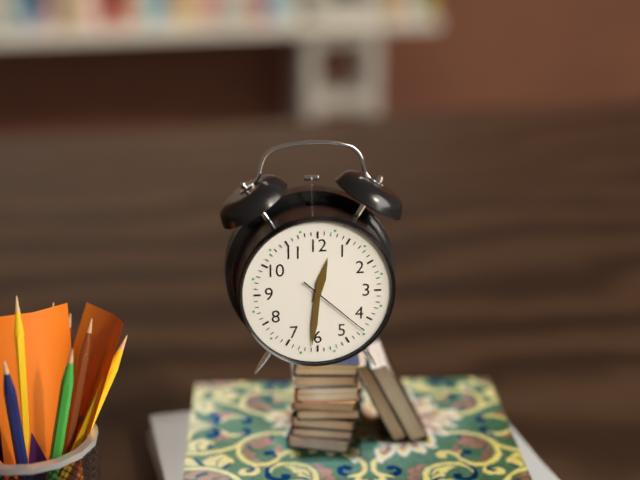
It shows {"hour": 12, "minute": 31, "second": 22}
